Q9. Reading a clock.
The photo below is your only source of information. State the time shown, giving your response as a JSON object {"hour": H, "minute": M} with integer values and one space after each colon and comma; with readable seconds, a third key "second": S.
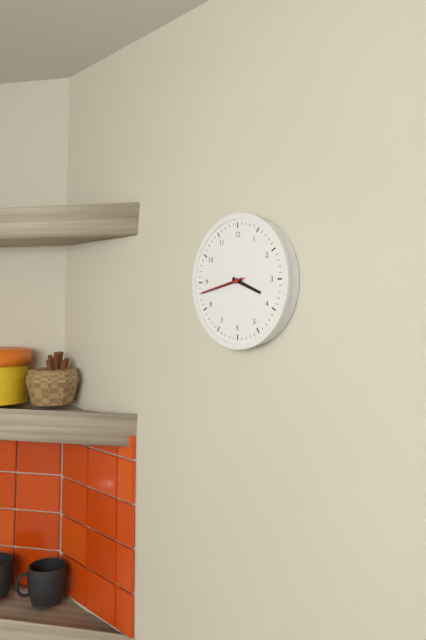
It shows {"hour": 3, "minute": 43}
